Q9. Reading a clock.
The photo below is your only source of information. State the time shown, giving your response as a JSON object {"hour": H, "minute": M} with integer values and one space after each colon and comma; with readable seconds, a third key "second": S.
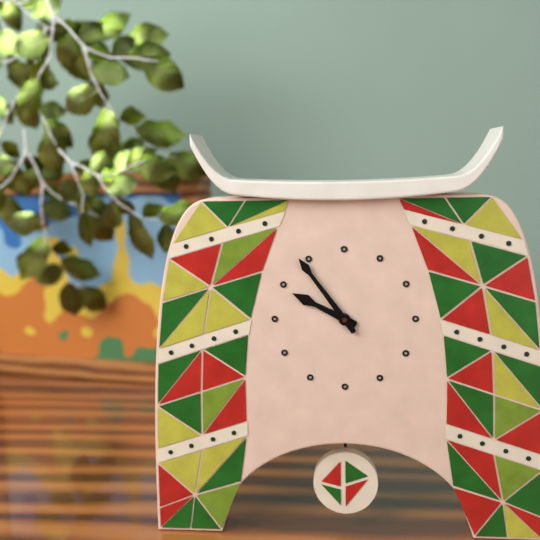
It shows {"hour": 9, "minute": 54}
